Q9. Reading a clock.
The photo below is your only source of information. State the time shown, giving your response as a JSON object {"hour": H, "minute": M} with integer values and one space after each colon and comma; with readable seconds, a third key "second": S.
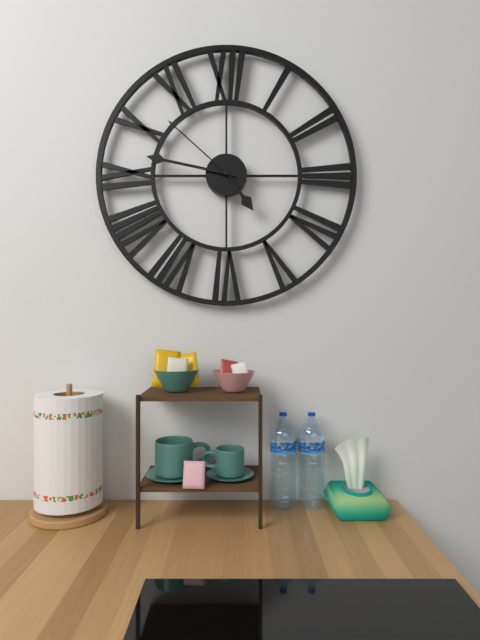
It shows {"hour": 4, "minute": 47, "second": 52}
